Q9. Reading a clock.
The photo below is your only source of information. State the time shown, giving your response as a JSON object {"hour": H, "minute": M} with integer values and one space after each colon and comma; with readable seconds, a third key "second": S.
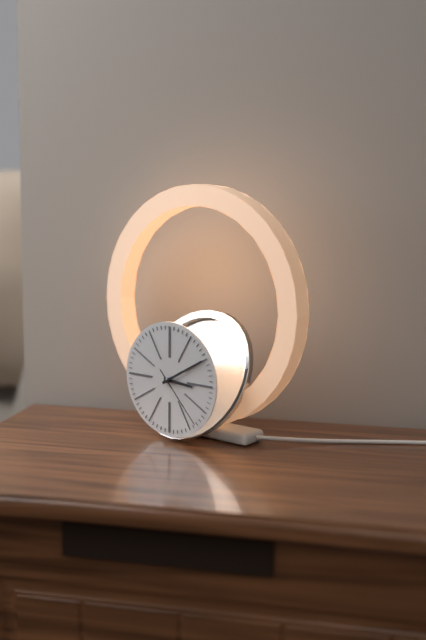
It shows {"hour": 3, "minute": 10, "second": 23}
